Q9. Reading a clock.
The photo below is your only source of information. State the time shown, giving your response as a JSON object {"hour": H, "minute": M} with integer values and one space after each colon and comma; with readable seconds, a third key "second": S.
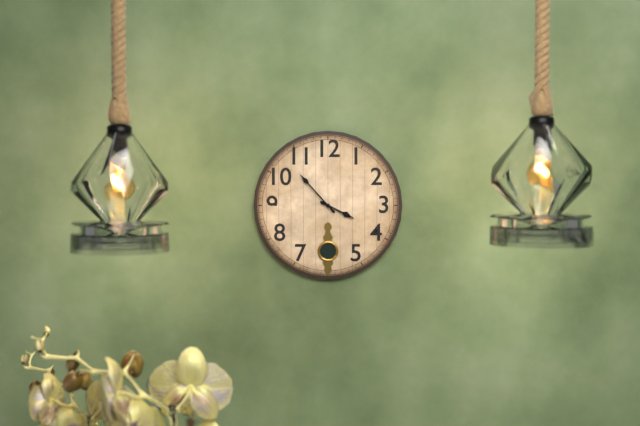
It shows {"hour": 3, "minute": 53}
